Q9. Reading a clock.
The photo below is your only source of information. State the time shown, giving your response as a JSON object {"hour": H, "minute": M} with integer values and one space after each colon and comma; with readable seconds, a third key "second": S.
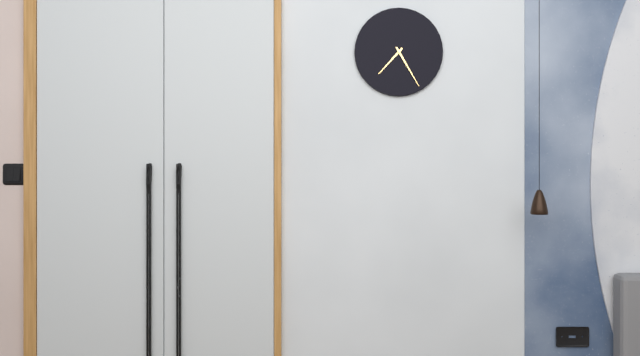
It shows {"hour": 7, "minute": 25}
